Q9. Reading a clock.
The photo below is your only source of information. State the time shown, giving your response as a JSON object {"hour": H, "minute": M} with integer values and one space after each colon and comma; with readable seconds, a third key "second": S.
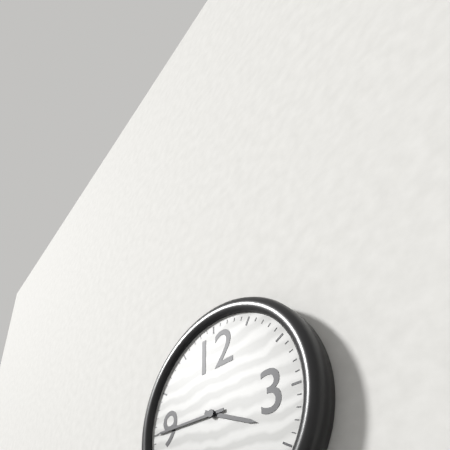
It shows {"hour": 3, "minute": 45}
